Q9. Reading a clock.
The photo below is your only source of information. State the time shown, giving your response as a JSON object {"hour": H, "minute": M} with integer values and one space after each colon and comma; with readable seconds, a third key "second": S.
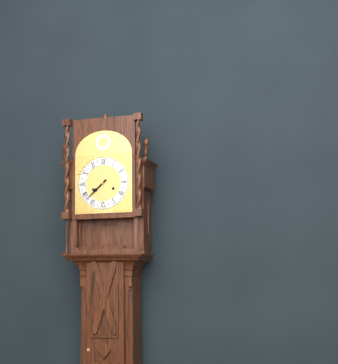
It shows {"hour": 7, "minute": 38}
